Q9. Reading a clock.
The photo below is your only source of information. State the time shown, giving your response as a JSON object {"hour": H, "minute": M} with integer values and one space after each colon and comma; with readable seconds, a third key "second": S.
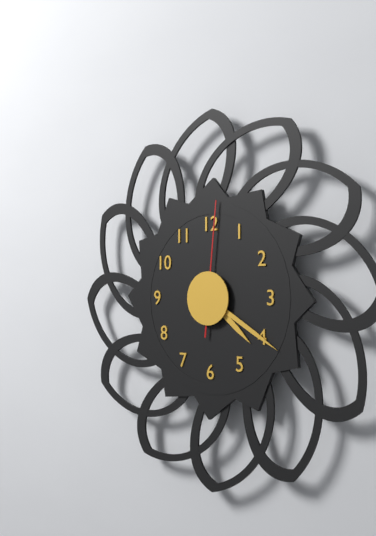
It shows {"hour": 4, "minute": 20, "second": 1}
